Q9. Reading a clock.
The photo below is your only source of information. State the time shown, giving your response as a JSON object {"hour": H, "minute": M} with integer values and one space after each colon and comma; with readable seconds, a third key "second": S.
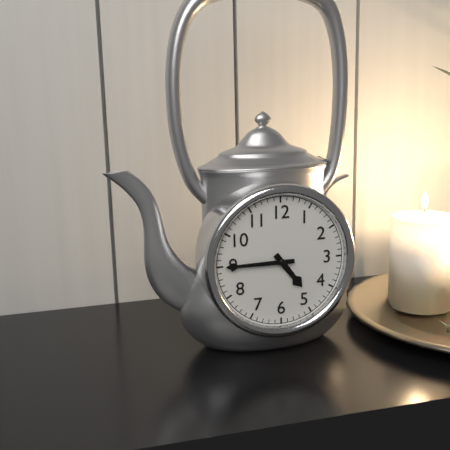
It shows {"hour": 4, "minute": 45}
